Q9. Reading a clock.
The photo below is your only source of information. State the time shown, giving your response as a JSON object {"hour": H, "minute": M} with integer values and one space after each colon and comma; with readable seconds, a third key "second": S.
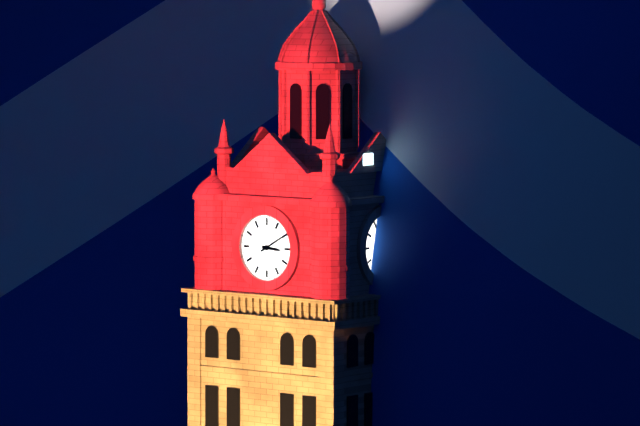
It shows {"hour": 3, "minute": 10}
